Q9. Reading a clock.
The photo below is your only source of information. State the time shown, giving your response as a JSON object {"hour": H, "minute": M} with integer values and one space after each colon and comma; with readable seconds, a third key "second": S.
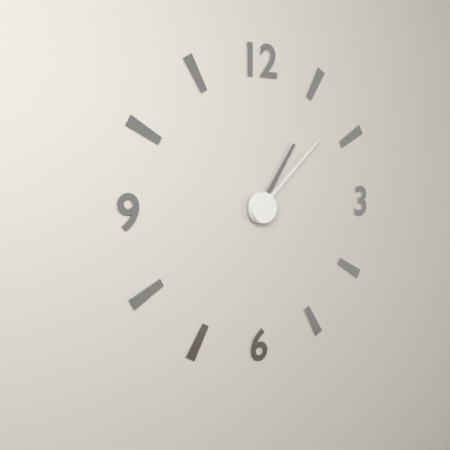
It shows {"hour": 1, "minute": 8}
